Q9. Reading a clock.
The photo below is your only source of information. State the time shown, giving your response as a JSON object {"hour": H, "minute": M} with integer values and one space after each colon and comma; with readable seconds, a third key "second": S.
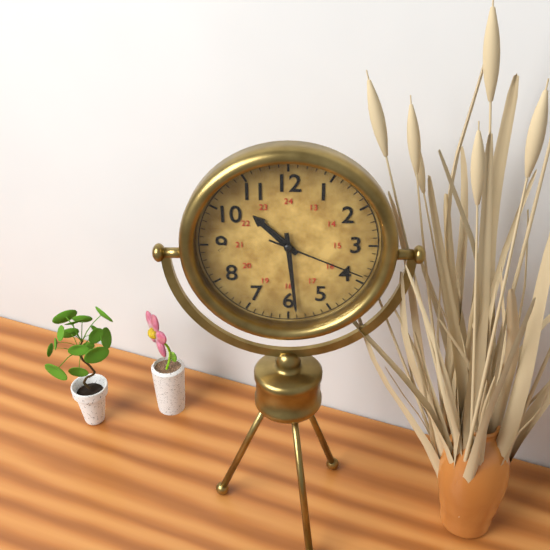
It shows {"hour": 10, "minute": 29, "second": 19}
